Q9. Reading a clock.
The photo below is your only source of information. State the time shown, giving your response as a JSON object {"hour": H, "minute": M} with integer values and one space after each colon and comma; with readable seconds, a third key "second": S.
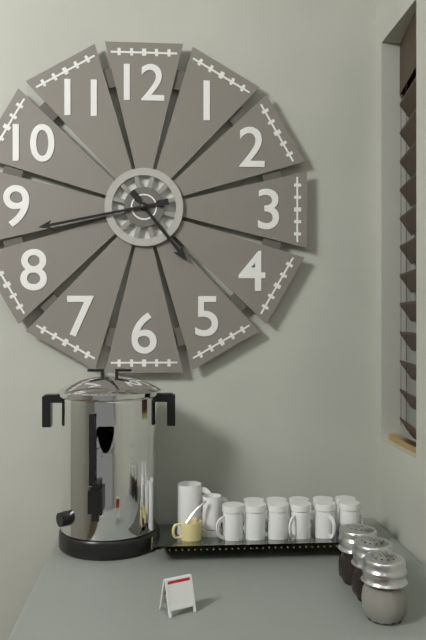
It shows {"hour": 4, "minute": 43}
